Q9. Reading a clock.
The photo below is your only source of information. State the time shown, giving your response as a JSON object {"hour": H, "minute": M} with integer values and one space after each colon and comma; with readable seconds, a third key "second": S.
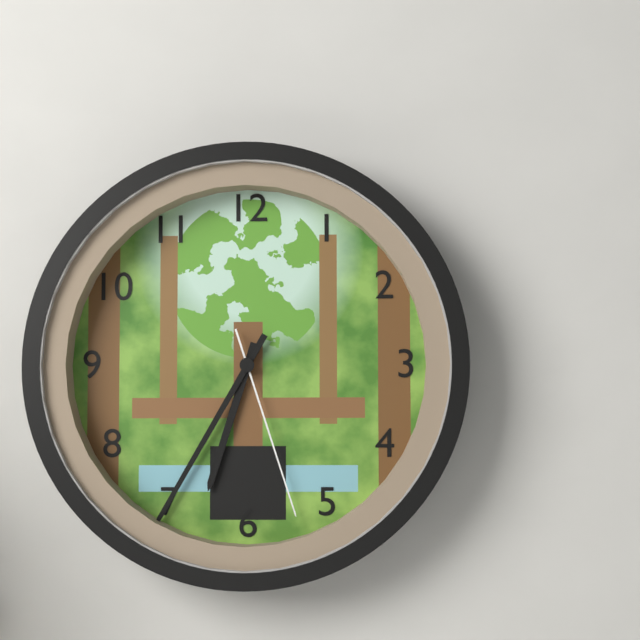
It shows {"hour": 6, "minute": 35, "second": 27}
